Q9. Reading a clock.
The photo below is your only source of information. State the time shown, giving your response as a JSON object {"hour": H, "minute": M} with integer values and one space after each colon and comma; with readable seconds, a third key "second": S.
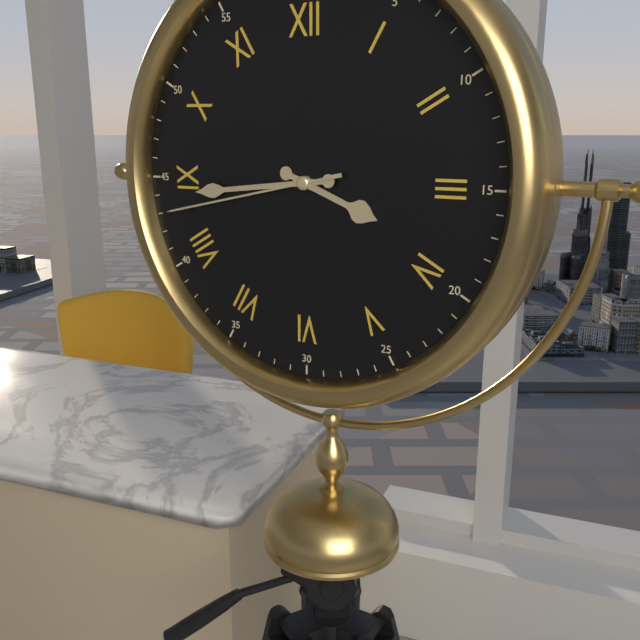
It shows {"hour": 3, "minute": 44, "second": 43}
